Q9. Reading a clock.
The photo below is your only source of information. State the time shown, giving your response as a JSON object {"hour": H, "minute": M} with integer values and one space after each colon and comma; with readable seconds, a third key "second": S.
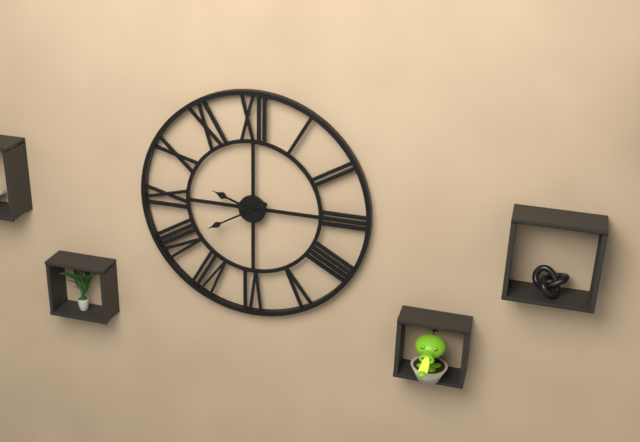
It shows {"hour": 9, "minute": 40}
